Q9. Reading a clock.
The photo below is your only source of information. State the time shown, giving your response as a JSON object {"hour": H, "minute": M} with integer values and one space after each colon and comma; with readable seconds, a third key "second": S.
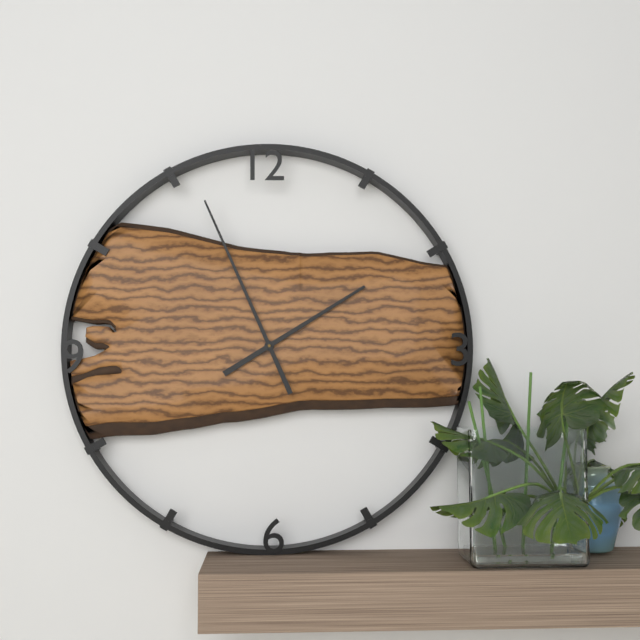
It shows {"hour": 1, "minute": 56}
